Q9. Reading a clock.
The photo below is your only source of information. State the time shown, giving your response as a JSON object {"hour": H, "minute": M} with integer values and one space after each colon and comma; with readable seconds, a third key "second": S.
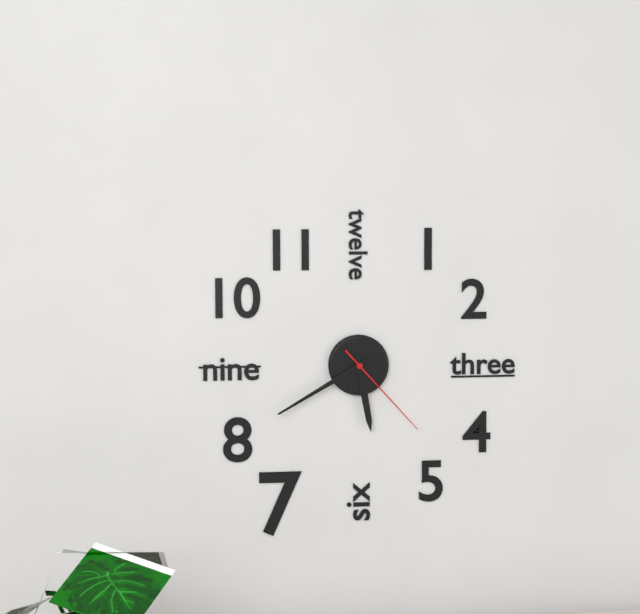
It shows {"hour": 5, "minute": 40, "second": 23}
